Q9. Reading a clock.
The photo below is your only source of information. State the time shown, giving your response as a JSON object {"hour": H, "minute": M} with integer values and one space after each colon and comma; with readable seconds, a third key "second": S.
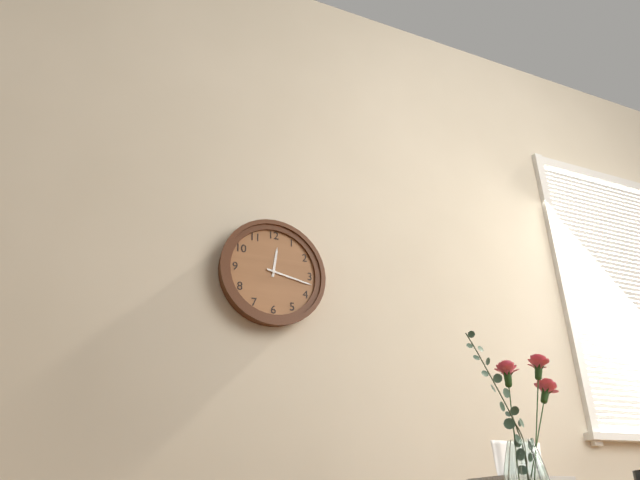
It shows {"hour": 12, "minute": 17}
